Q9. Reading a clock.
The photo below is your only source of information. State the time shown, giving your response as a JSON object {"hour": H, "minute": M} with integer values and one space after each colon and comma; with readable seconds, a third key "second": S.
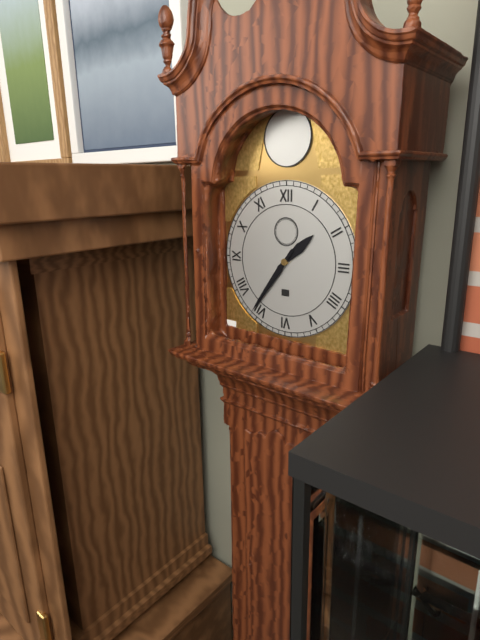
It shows {"hour": 1, "minute": 36}
